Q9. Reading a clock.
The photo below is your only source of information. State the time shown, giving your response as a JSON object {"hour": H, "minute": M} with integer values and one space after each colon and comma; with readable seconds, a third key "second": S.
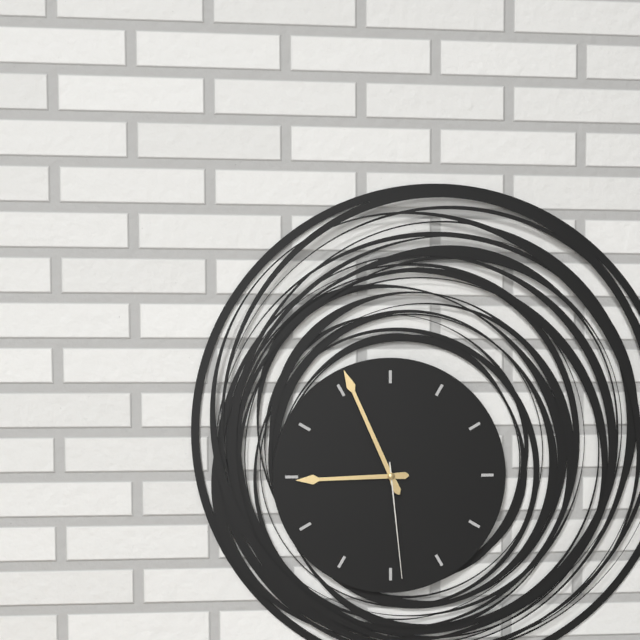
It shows {"hour": 8, "minute": 56, "second": 29}
